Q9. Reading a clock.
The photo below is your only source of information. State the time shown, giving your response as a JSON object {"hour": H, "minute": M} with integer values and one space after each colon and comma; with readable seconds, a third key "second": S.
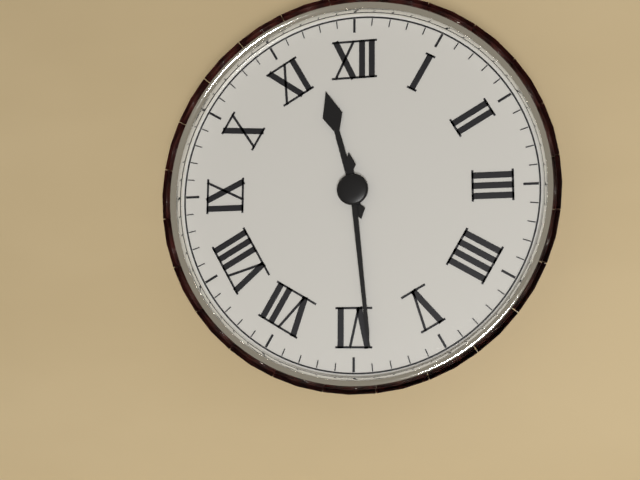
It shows {"hour": 11, "minute": 29}
